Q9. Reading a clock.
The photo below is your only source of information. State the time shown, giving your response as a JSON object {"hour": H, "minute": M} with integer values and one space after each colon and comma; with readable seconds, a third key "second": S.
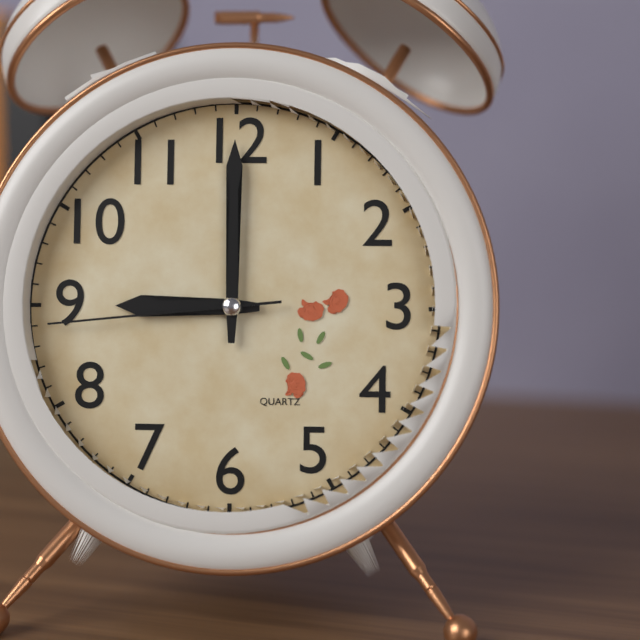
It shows {"hour": 9, "minute": 0, "second": 44}
